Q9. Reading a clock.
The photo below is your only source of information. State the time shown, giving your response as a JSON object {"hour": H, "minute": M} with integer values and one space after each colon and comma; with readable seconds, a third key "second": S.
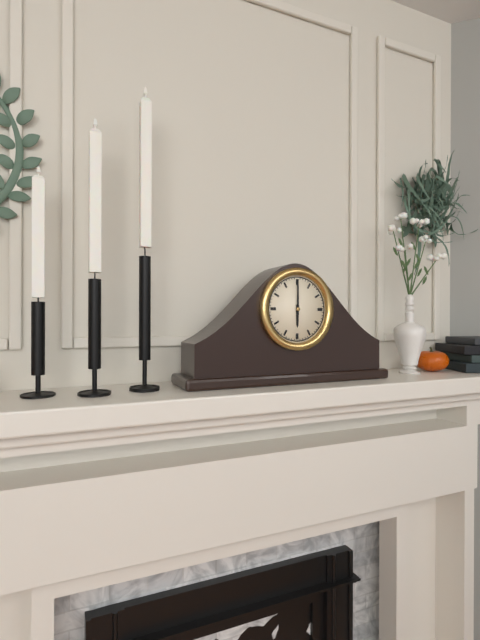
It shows {"hour": 6, "minute": 0}
